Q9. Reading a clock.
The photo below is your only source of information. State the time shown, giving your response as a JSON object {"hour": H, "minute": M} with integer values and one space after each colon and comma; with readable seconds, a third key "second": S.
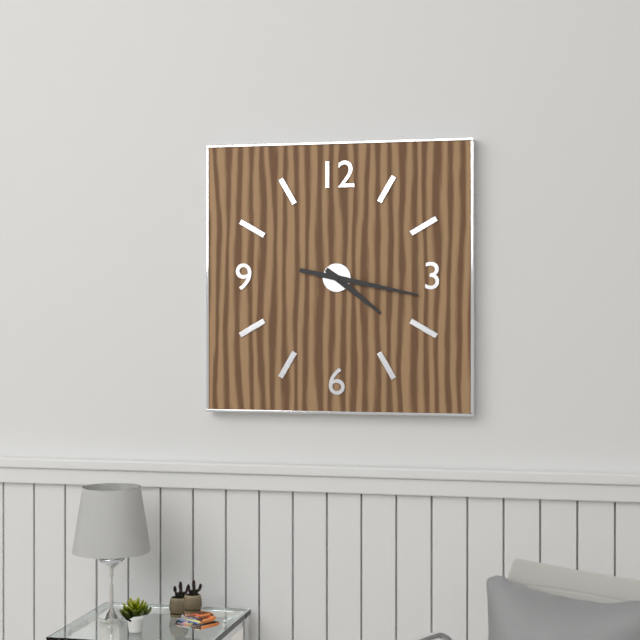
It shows {"hour": 4, "minute": 17}
